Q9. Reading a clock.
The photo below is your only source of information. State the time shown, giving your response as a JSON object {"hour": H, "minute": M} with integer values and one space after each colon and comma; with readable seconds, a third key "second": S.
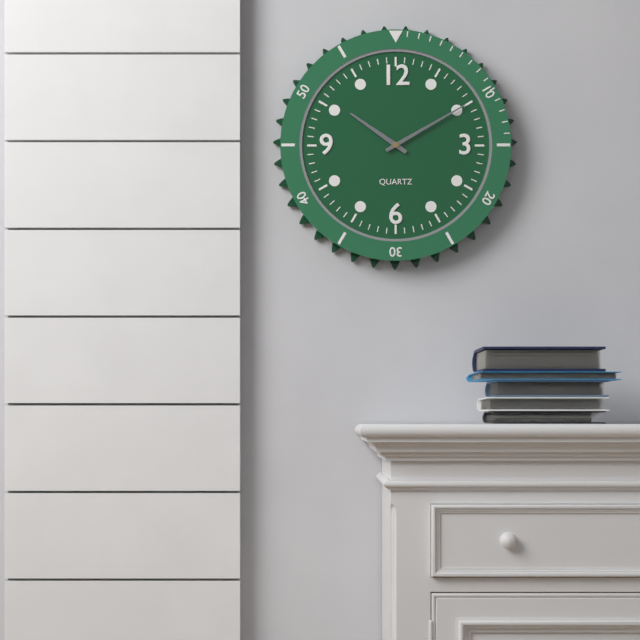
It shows {"hour": 10, "minute": 10}
